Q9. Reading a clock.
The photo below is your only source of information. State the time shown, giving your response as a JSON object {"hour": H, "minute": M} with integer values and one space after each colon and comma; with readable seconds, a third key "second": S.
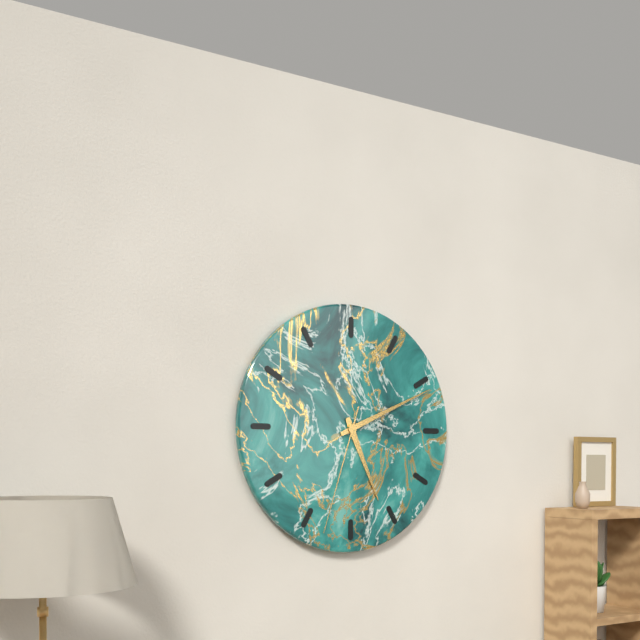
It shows {"hour": 5, "minute": 11, "second": 33}
